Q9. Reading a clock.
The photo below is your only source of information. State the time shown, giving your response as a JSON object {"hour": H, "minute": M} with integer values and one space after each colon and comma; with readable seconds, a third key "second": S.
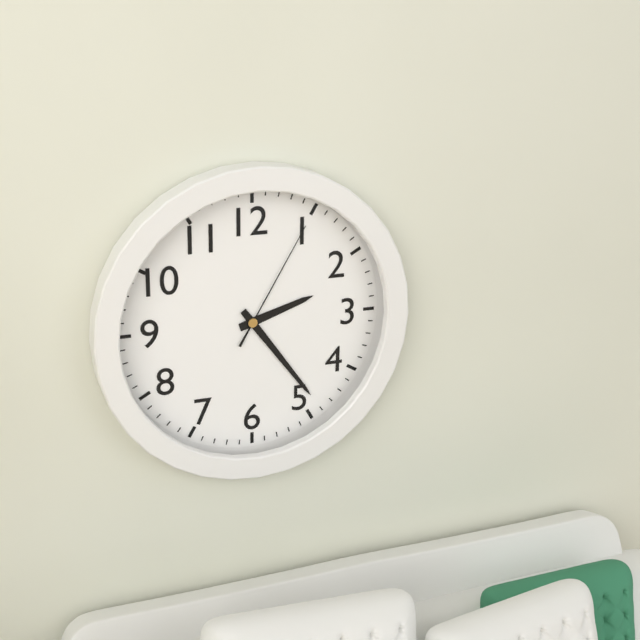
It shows {"hour": 2, "minute": 24, "second": 5}
